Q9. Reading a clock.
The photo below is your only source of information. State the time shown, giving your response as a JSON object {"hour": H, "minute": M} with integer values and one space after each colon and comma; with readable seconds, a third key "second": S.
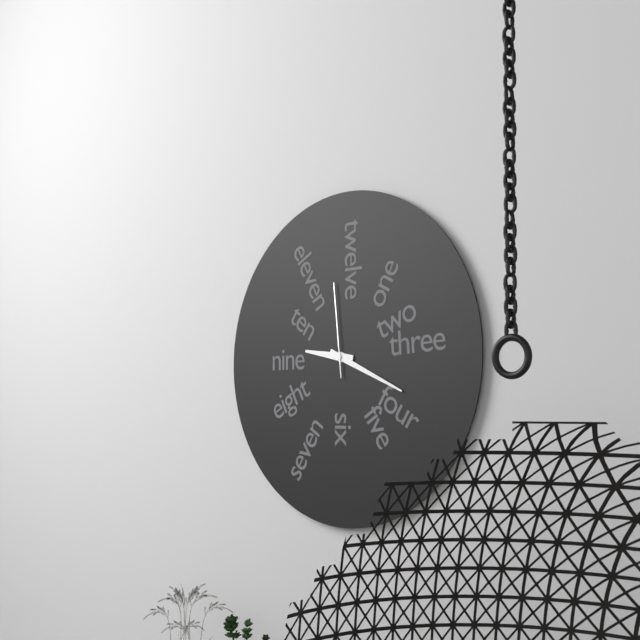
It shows {"hour": 9, "minute": 19, "second": 59}
